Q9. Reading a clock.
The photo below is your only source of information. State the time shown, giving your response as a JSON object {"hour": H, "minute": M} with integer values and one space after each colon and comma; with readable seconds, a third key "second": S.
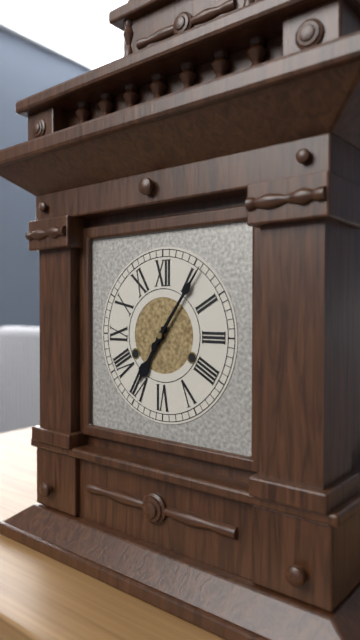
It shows {"hour": 7, "minute": 6}
